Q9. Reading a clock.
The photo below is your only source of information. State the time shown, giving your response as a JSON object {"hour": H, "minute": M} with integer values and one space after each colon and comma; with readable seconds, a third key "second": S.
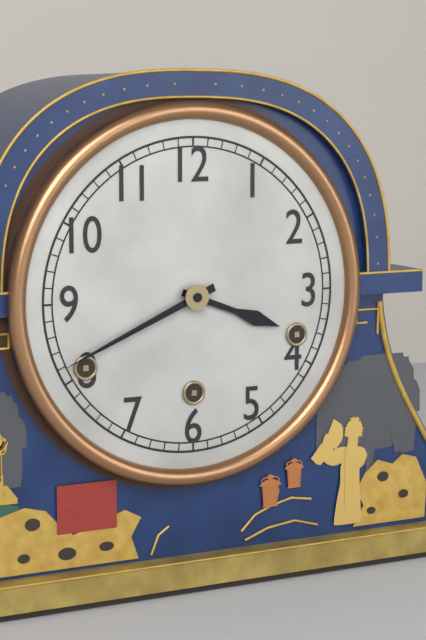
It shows {"hour": 3, "minute": 41}
